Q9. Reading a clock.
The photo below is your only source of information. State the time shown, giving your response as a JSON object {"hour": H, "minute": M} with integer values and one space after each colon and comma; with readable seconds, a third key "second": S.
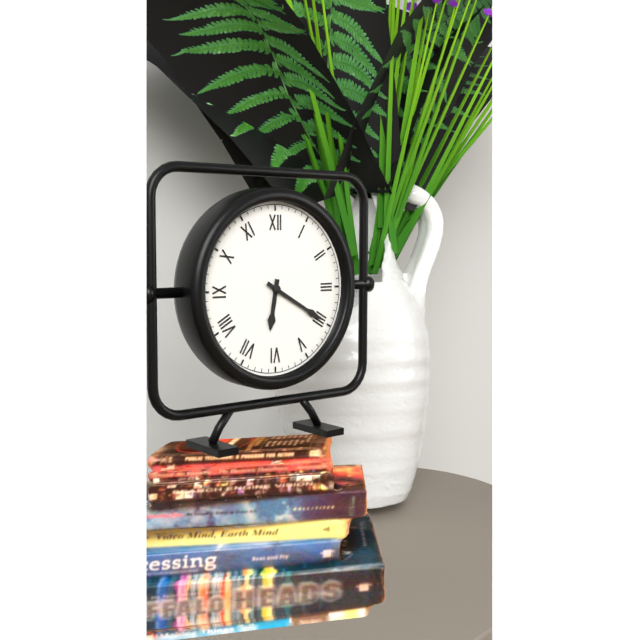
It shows {"hour": 6, "minute": 20}
